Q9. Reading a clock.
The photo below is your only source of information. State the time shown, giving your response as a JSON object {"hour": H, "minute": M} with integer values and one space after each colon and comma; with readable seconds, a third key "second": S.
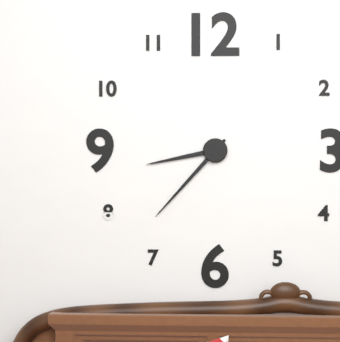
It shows {"hour": 8, "minute": 37}
